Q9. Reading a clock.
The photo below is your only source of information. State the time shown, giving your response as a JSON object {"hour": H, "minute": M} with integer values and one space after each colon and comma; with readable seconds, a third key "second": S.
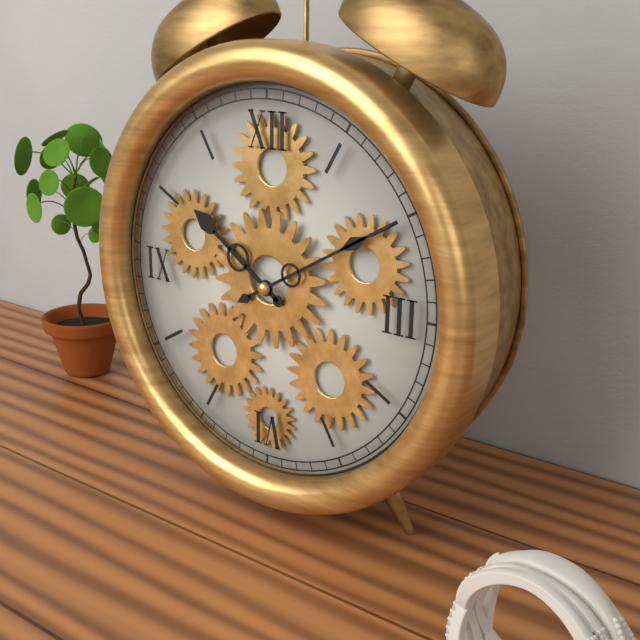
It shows {"hour": 10, "minute": 10}
